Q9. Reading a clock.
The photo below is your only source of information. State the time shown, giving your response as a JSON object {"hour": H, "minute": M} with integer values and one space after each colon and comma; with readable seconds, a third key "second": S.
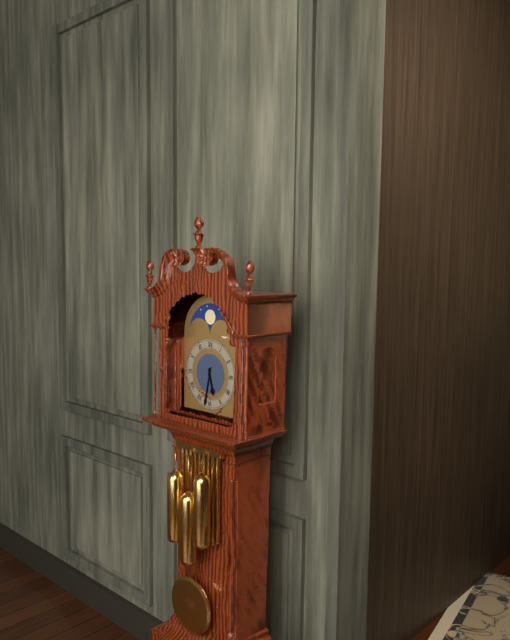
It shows {"hour": 5, "minute": 32}
